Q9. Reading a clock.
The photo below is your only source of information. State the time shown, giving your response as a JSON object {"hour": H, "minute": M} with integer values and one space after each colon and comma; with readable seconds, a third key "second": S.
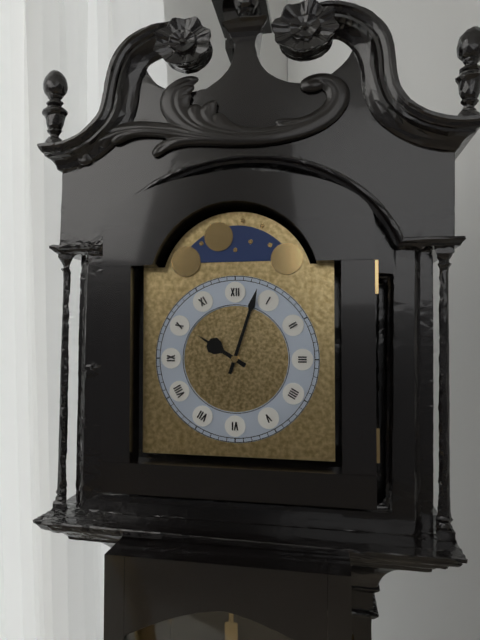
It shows {"hour": 10, "minute": 3}
